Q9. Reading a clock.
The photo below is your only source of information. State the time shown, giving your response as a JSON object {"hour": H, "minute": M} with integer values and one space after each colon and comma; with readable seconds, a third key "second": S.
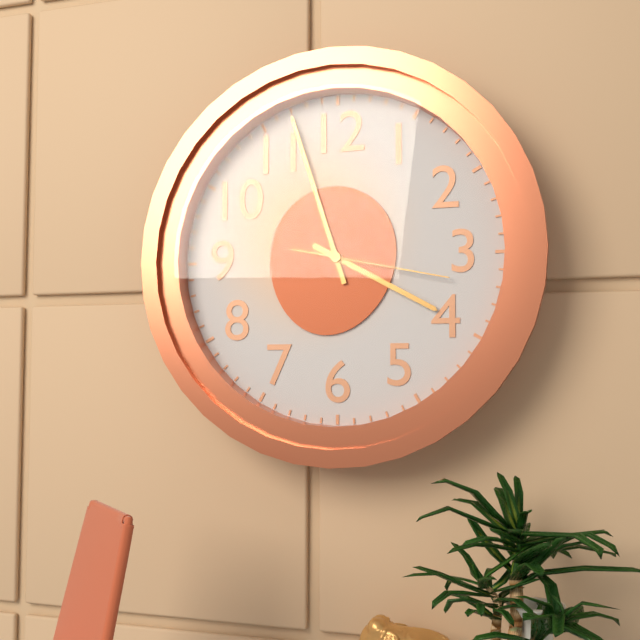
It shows {"hour": 3, "minute": 57, "second": 17}
